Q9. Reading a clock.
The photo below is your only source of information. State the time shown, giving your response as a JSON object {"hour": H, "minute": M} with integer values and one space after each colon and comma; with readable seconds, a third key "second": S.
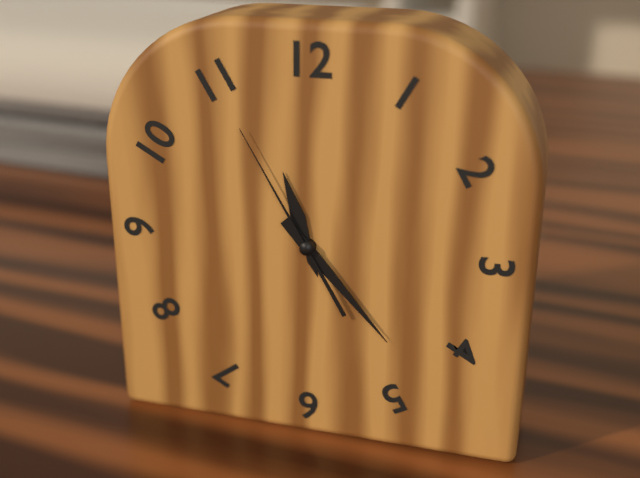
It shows {"hour": 11, "minute": 23, "second": 55}
